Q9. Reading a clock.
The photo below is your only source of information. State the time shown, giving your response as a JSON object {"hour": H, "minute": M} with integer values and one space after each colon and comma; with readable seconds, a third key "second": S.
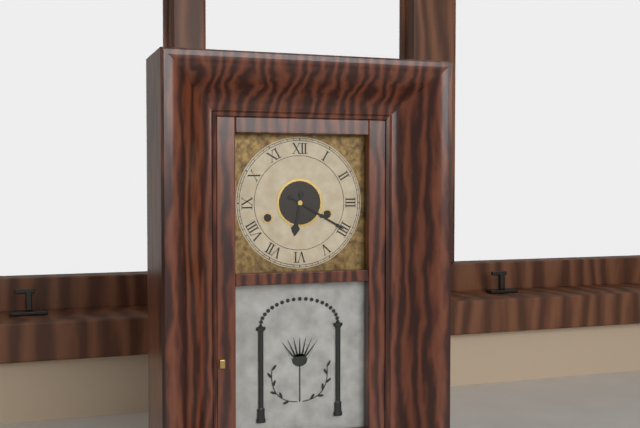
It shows {"hour": 6, "minute": 20}
